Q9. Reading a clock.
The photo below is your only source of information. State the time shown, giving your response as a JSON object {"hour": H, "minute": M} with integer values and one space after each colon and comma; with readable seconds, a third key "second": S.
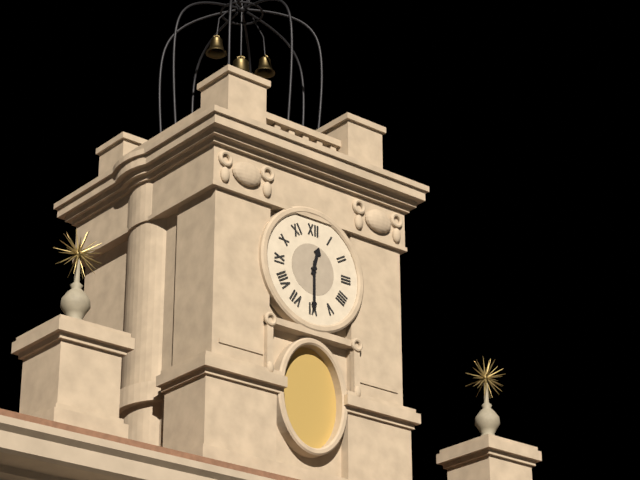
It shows {"hour": 12, "minute": 30}
